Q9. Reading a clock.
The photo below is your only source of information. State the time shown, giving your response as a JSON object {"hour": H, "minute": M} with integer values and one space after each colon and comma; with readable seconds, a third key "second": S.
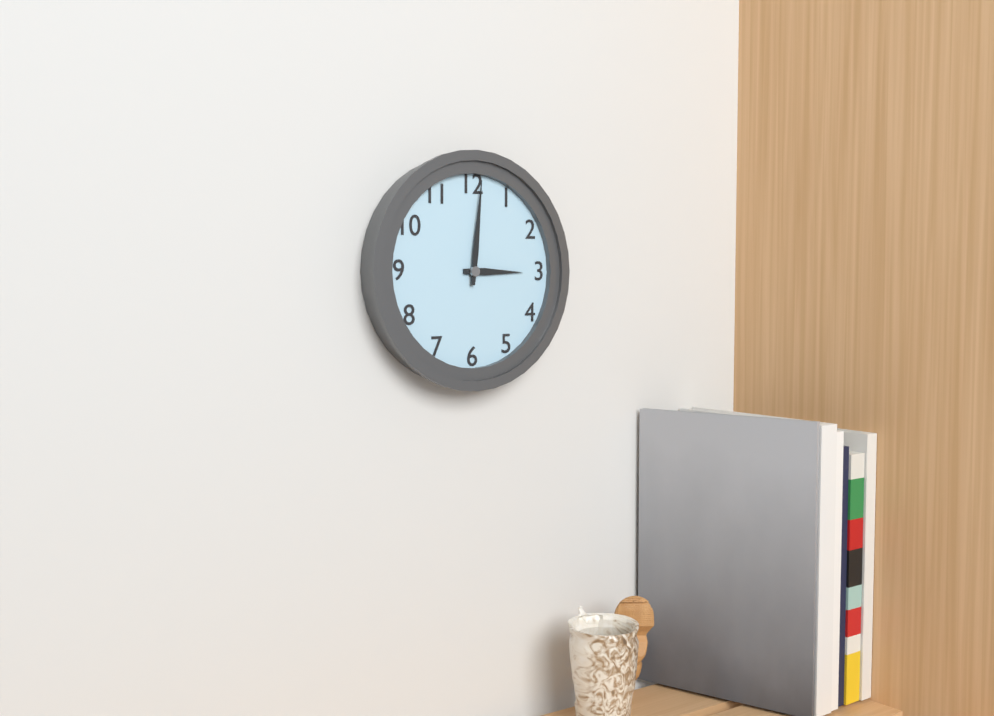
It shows {"hour": 3, "minute": 1}
